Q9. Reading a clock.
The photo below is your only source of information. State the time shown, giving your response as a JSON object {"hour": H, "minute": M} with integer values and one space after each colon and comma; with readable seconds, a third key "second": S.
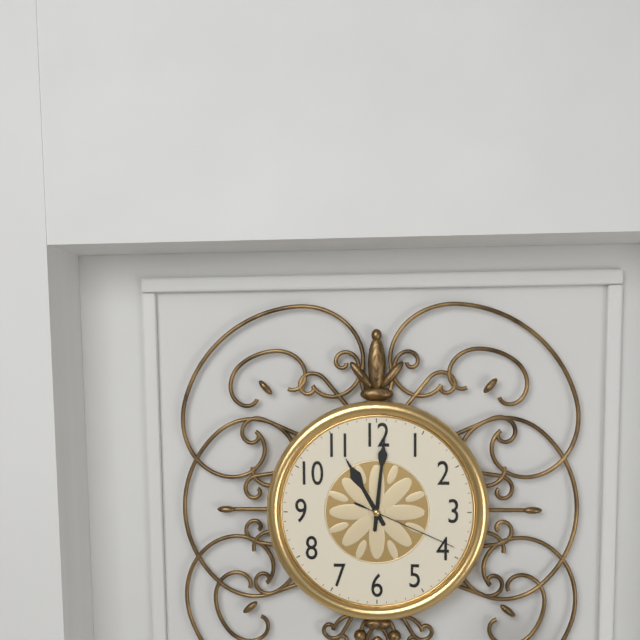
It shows {"hour": 11, "minute": 1, "second": 19}
